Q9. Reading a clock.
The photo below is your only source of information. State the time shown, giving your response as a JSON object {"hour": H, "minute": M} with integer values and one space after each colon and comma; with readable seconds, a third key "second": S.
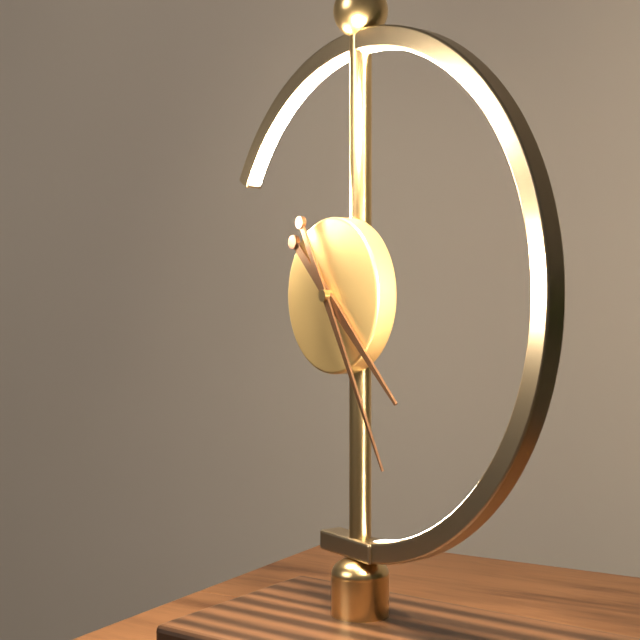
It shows {"hour": 4, "minute": 25}
